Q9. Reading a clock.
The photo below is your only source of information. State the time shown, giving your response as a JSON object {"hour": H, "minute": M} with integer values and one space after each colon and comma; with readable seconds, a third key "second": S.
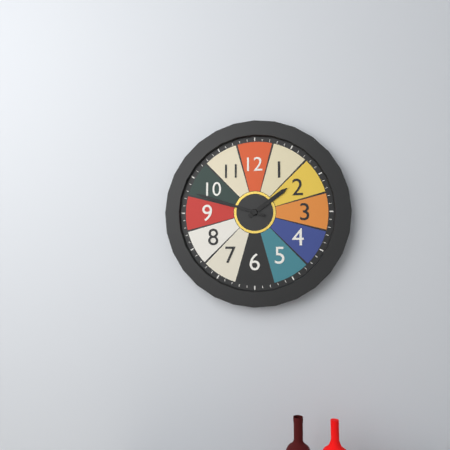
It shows {"hour": 1, "minute": 48}
